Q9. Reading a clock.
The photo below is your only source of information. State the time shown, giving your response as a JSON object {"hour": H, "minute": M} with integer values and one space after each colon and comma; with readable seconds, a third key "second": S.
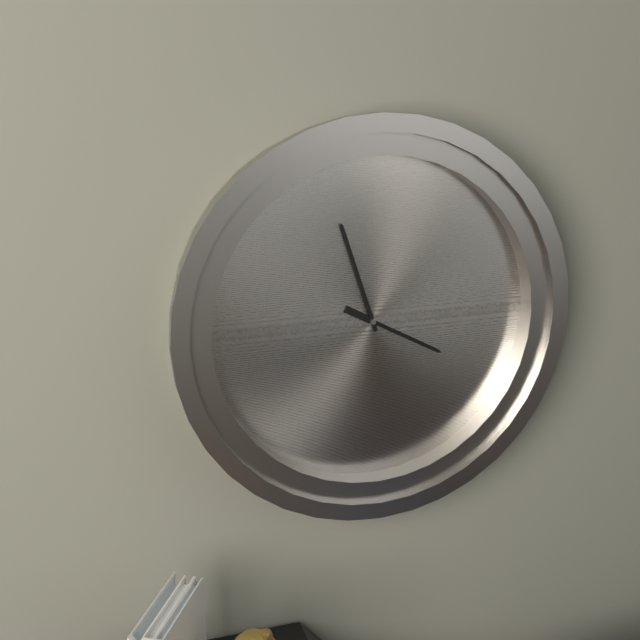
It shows {"hour": 3, "minute": 57}
